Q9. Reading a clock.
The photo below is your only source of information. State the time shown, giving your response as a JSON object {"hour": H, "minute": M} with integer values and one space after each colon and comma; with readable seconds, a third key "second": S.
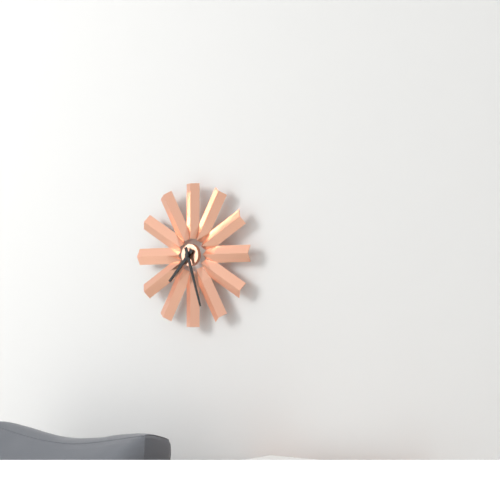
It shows {"hour": 7, "minute": 27}
